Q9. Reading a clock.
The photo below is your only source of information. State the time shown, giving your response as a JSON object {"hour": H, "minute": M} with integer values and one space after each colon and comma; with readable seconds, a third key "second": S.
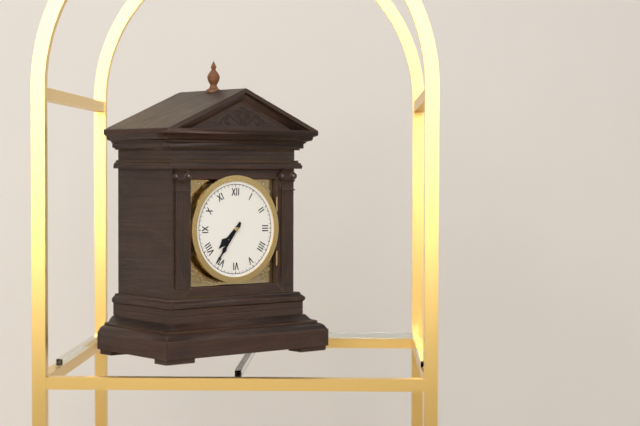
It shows {"hour": 7, "minute": 36}
